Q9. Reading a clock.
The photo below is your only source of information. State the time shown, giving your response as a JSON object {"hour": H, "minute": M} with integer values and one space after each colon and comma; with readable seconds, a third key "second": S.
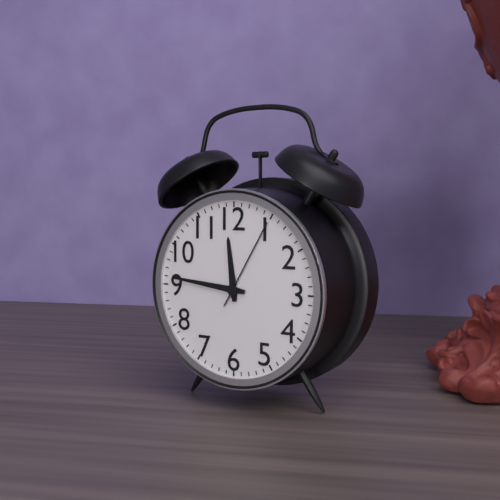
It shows {"hour": 11, "minute": 46, "second": 5}
